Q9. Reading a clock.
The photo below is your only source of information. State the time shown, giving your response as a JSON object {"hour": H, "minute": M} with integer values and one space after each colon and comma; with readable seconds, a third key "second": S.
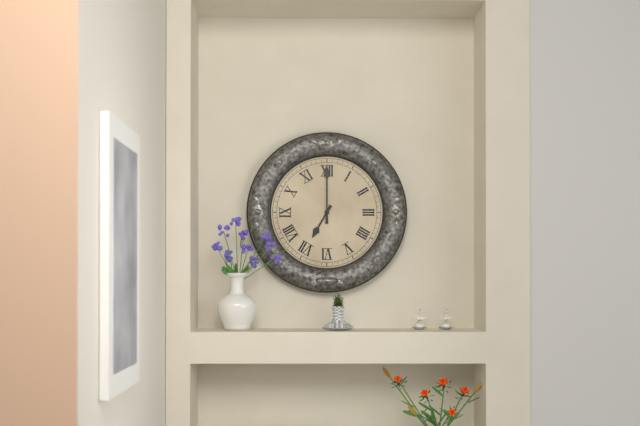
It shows {"hour": 7, "minute": 0}
